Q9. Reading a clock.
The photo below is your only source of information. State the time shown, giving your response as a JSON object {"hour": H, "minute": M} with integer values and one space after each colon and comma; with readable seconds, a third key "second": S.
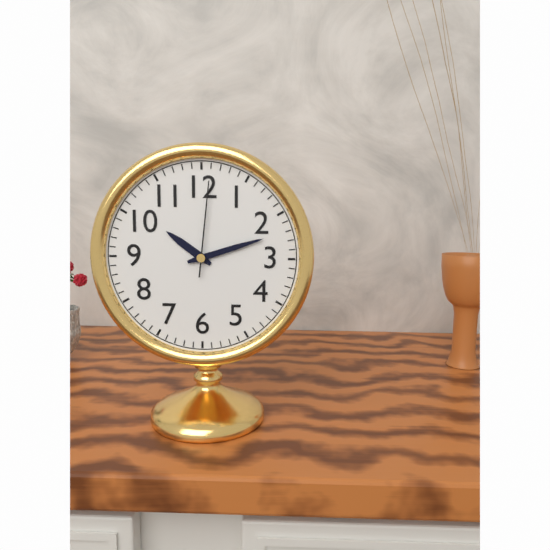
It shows {"hour": 10, "minute": 12, "second": 1}
